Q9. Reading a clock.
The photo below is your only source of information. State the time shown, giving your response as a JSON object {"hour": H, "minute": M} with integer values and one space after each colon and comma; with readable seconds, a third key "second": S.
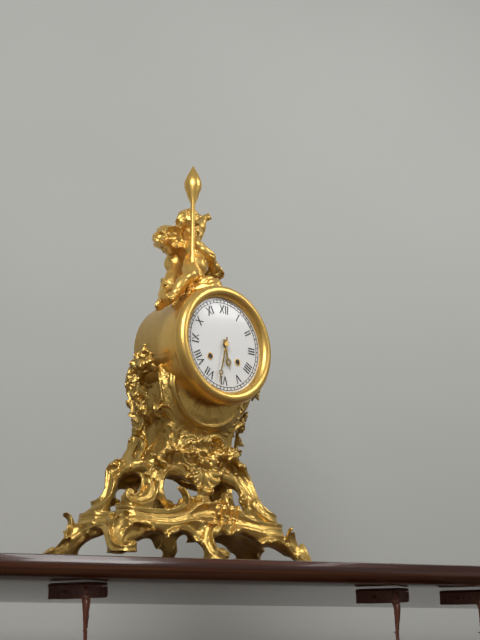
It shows {"hour": 5, "minute": 32}
